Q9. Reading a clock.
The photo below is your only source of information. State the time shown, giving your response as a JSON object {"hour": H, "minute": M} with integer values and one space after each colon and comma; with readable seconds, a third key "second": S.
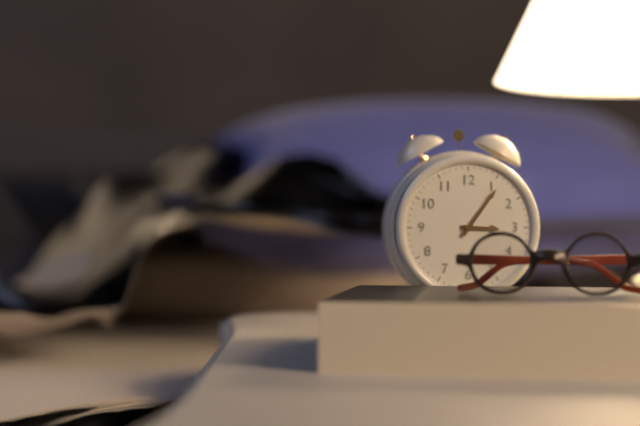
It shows {"hour": 3, "minute": 6}
